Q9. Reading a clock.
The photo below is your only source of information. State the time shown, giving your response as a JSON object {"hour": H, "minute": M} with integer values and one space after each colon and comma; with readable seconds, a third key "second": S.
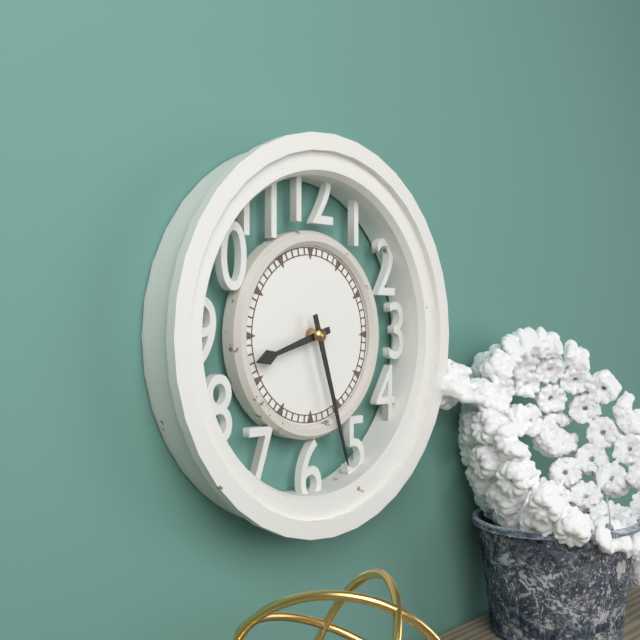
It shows {"hour": 8, "minute": 27}
